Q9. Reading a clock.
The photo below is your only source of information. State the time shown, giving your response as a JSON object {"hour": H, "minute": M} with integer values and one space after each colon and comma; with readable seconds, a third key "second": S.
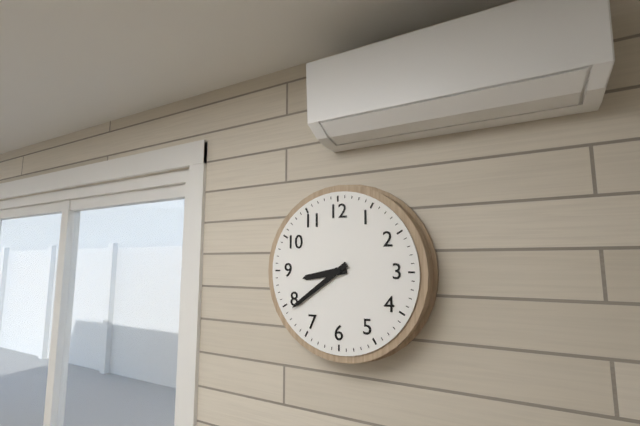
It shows {"hour": 8, "minute": 39}
